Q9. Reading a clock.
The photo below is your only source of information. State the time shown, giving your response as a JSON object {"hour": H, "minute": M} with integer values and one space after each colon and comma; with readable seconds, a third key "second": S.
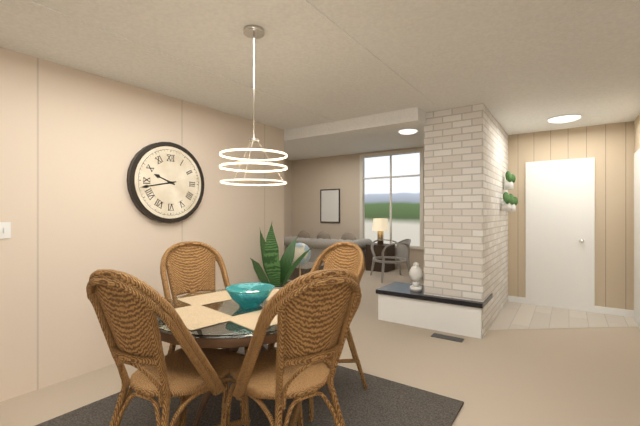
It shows {"hour": 9, "minute": 43}
